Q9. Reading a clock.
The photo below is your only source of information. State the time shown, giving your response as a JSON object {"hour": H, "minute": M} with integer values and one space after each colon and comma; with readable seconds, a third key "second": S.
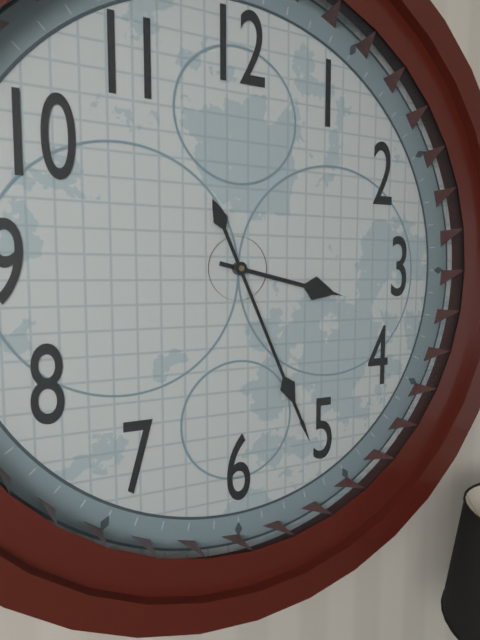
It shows {"hour": 3, "minute": 26}
